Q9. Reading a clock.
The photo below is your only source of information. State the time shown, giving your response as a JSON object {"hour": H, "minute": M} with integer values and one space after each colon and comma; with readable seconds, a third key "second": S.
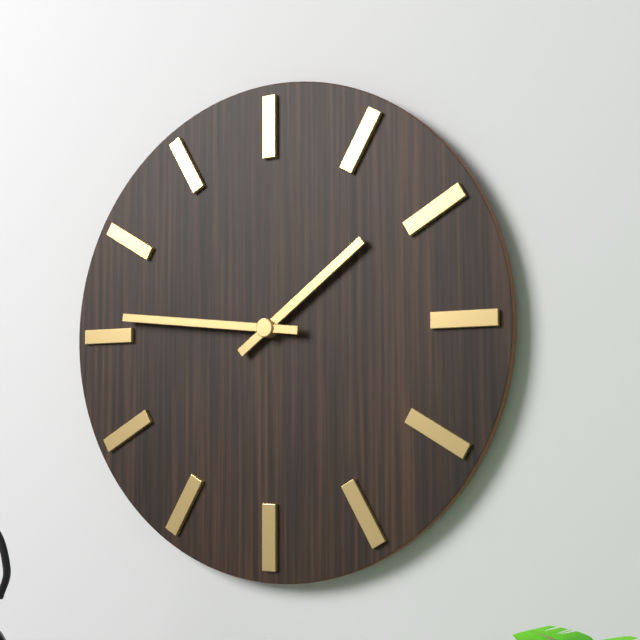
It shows {"hour": 1, "minute": 46}
